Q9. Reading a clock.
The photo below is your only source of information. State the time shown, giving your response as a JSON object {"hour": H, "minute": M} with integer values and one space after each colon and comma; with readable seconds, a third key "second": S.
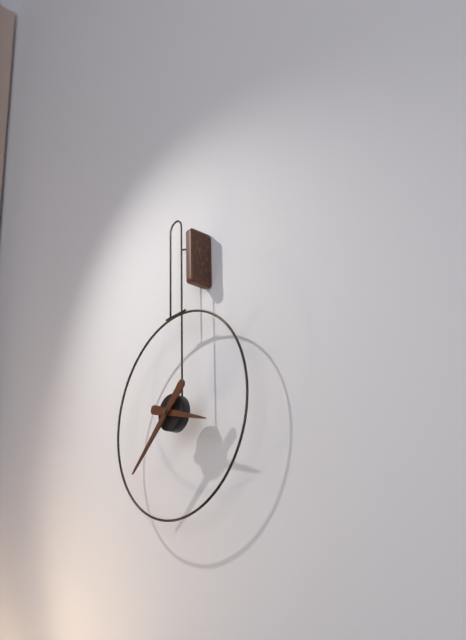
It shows {"hour": 3, "minute": 38}
